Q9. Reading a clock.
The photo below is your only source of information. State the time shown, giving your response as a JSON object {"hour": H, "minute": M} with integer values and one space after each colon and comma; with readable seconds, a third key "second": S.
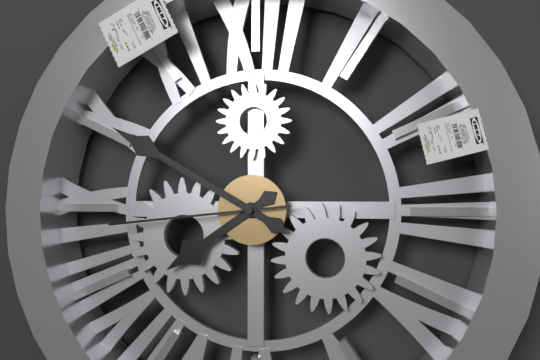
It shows {"hour": 7, "minute": 50, "second": 44}
